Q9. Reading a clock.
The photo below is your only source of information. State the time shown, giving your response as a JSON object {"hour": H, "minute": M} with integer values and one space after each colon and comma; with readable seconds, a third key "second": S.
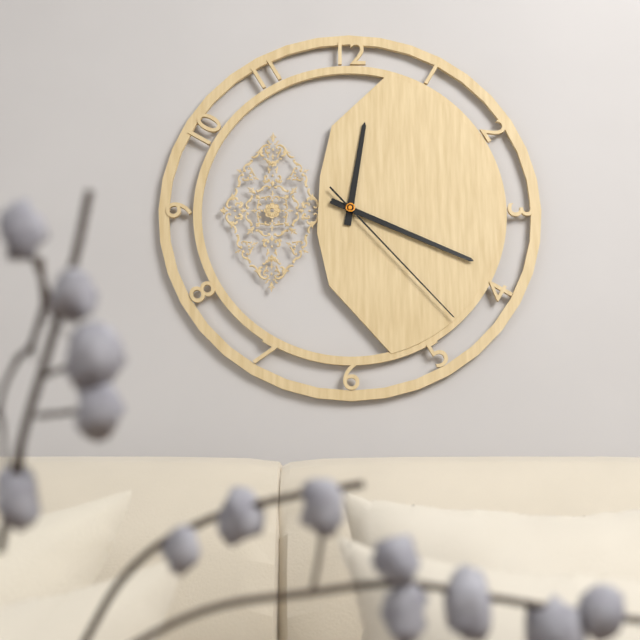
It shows {"hour": 12, "minute": 19, "second": 23}
